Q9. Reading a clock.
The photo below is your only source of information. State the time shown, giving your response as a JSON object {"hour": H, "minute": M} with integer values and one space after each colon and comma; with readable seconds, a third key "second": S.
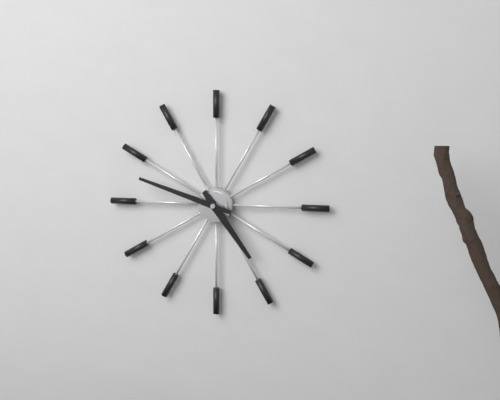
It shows {"hour": 4, "minute": 48}
